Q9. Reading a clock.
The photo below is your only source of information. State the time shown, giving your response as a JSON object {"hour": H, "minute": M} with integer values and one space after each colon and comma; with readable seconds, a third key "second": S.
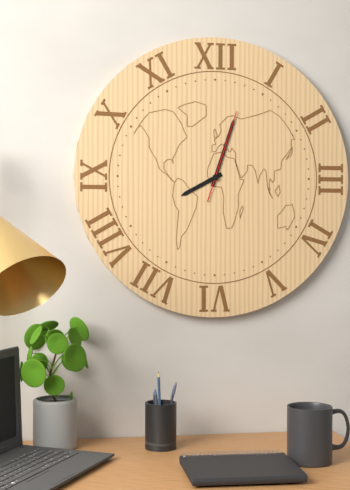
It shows {"hour": 8, "minute": 3, "second": 3}
